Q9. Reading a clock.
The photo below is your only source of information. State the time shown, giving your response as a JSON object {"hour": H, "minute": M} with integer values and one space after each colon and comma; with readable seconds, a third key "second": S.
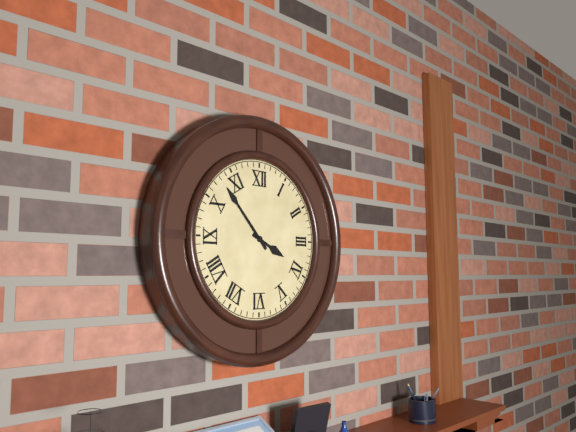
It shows {"hour": 3, "minute": 53}
